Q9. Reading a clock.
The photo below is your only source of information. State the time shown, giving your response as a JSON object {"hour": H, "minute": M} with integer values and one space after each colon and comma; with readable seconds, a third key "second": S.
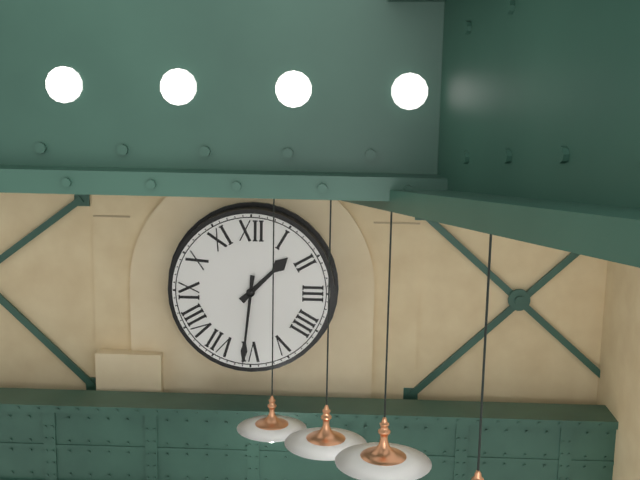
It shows {"hour": 1, "minute": 31}
